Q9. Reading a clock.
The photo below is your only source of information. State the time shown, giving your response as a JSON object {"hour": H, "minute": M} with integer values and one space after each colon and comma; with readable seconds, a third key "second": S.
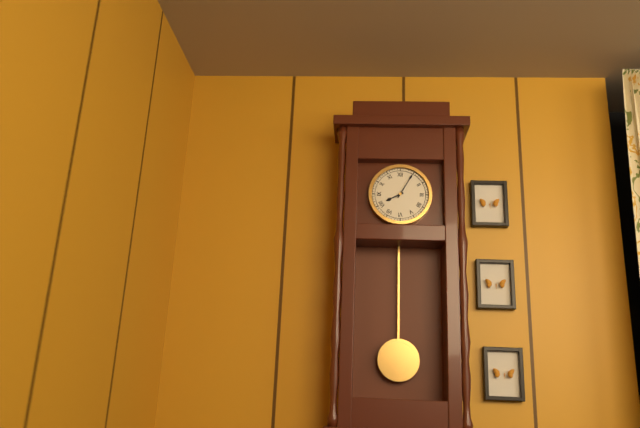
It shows {"hour": 8, "minute": 5}
